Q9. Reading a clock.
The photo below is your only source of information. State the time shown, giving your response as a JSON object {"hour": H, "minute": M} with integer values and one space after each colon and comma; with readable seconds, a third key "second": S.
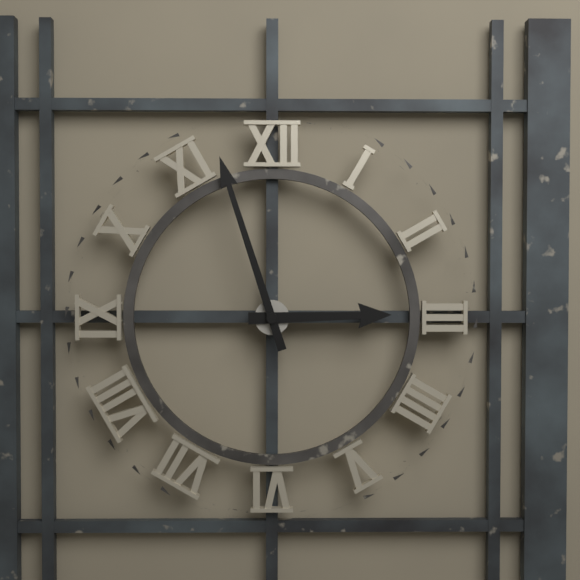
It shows {"hour": 2, "minute": 57}
